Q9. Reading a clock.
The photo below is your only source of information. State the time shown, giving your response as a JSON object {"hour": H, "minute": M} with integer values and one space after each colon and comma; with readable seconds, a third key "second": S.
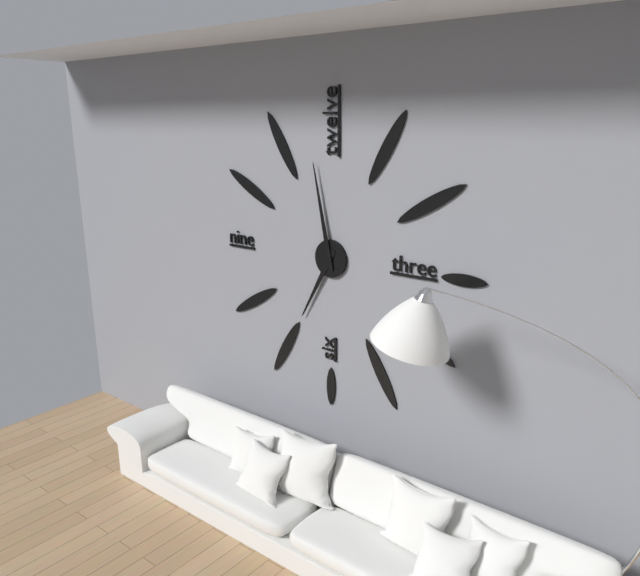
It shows {"hour": 6, "minute": 58}
